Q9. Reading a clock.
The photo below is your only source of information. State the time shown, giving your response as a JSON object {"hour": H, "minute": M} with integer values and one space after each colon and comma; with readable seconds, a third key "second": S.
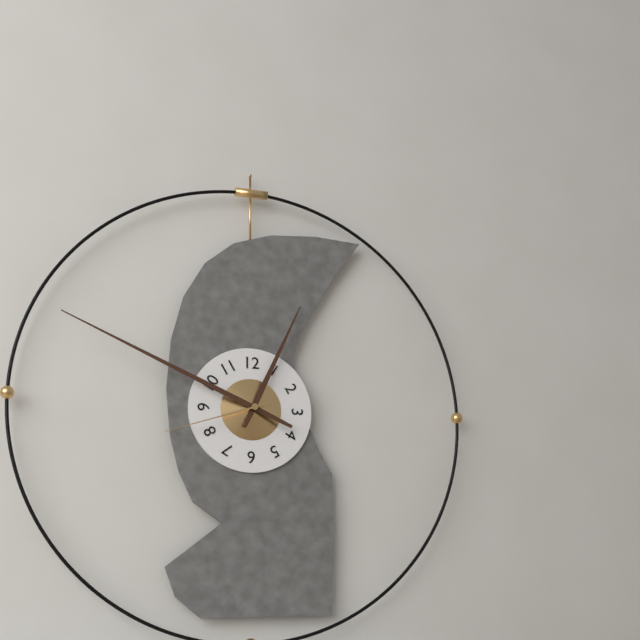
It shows {"hour": 12, "minute": 49, "second": 42}
